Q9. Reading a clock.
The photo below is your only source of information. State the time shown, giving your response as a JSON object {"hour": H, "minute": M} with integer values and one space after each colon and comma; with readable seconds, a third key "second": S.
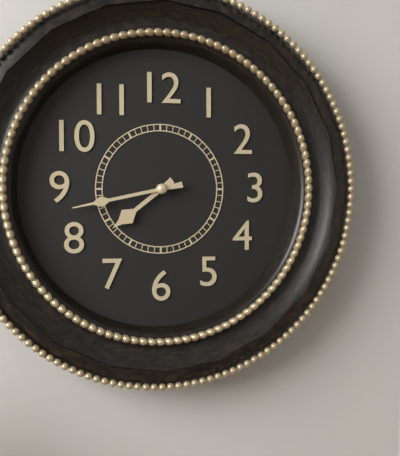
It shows {"hour": 7, "minute": 43}
